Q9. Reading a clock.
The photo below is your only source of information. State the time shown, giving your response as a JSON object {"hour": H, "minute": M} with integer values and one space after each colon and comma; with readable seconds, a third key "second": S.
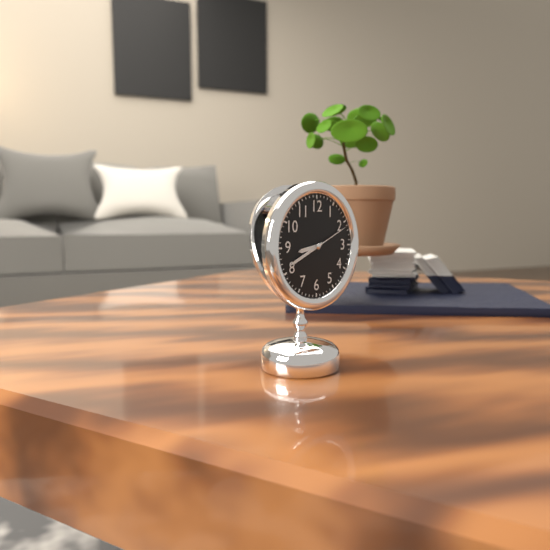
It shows {"hour": 8, "minute": 41}
